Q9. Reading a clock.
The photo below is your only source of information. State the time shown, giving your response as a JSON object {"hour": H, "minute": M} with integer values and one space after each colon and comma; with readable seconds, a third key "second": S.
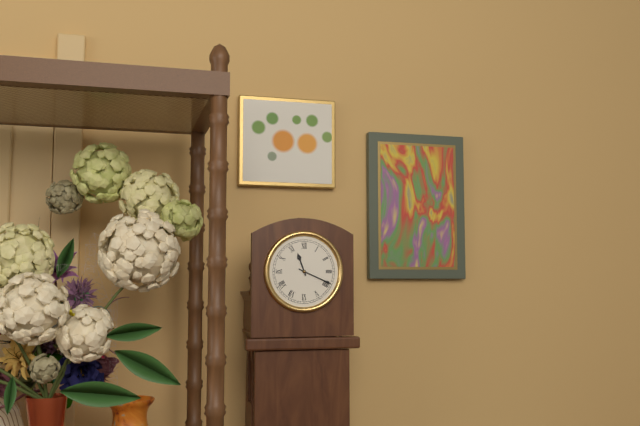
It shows {"hour": 11, "minute": 19}
